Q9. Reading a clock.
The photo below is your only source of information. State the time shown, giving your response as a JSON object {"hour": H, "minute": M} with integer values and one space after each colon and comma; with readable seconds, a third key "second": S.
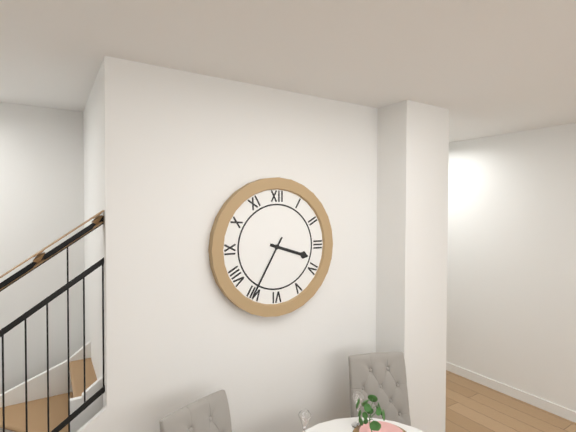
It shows {"hour": 3, "minute": 35}
